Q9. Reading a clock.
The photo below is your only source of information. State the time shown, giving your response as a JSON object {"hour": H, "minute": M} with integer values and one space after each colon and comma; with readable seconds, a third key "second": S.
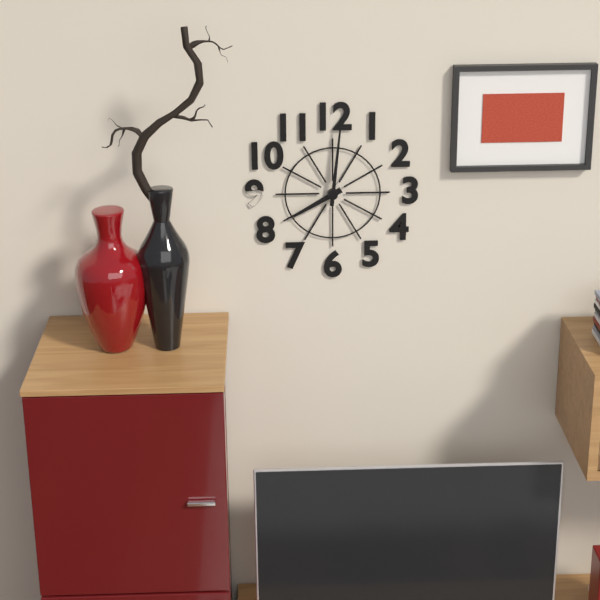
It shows {"hour": 8, "minute": 1}
